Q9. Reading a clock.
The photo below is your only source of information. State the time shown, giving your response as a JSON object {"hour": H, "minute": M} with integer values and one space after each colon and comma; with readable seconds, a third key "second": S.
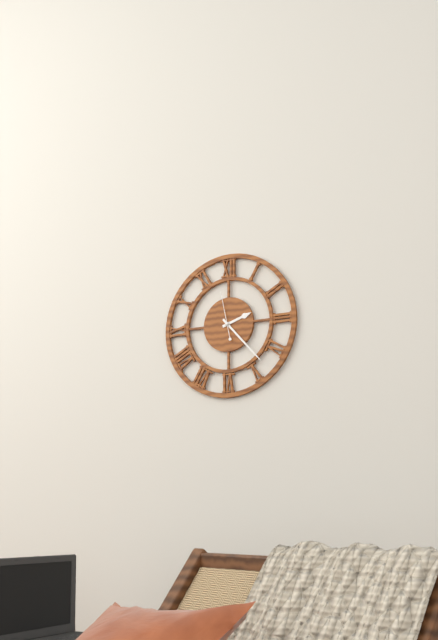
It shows {"hour": 2, "minute": 23}
